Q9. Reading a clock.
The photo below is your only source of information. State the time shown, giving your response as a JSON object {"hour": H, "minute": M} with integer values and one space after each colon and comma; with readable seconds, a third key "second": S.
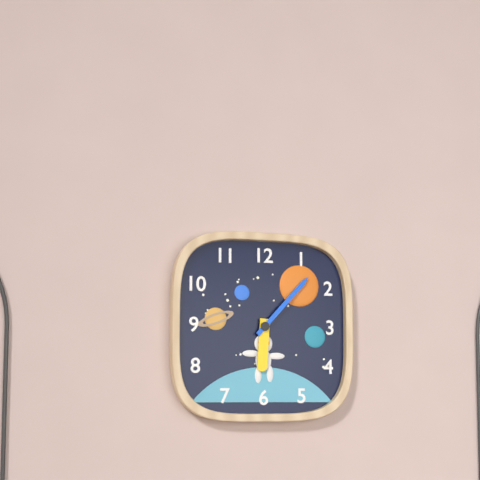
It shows {"hour": 6, "minute": 7}
